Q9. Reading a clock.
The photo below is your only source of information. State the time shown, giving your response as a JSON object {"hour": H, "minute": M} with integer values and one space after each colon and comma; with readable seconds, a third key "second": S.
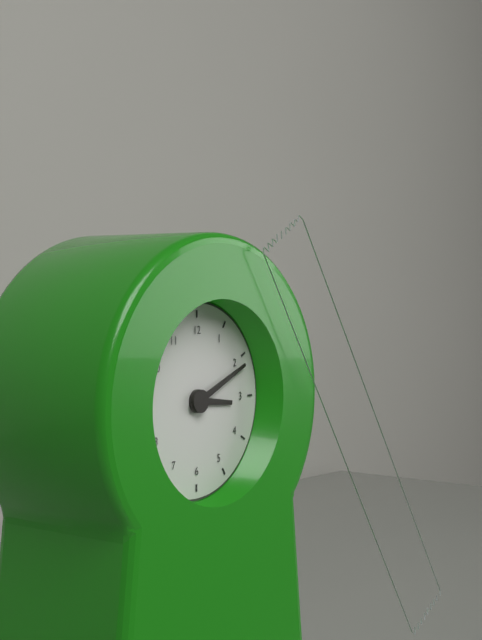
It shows {"hour": 3, "minute": 11}
